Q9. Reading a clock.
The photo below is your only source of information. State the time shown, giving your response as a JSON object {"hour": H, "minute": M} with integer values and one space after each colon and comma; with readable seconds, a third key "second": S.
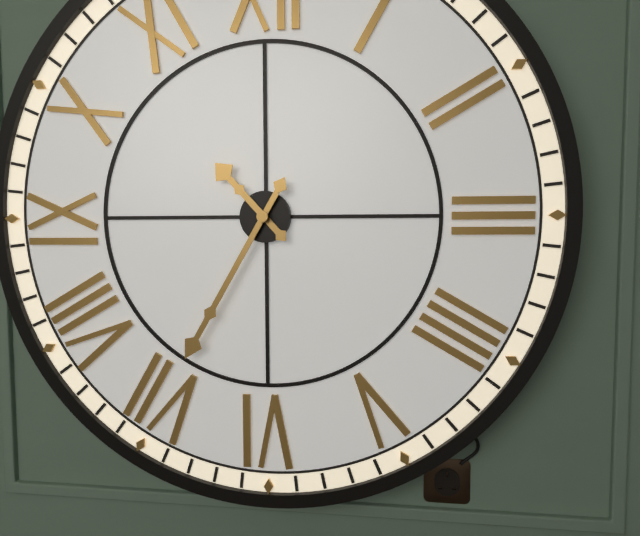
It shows {"hour": 10, "minute": 35}
